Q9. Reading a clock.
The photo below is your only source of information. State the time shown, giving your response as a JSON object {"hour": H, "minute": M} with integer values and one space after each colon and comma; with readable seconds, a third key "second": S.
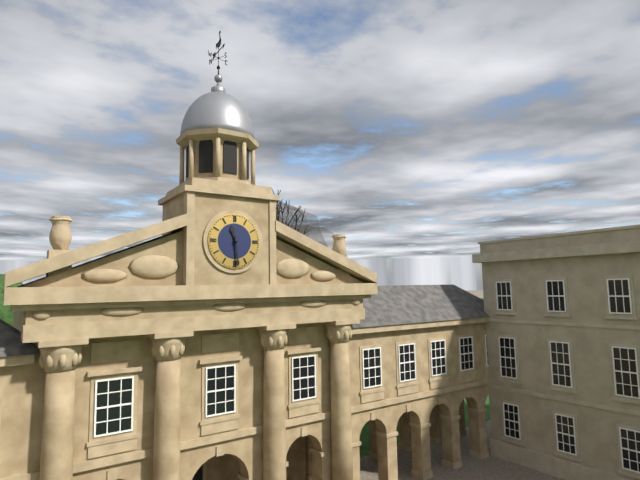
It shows {"hour": 11, "minute": 29}
